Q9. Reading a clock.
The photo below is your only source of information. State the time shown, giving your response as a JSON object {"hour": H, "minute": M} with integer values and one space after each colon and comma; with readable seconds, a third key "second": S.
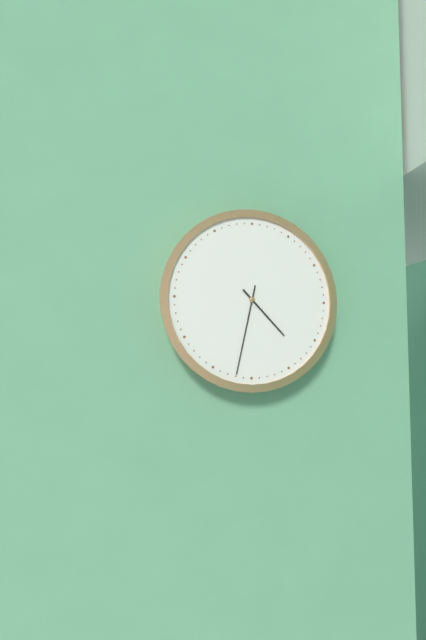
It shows {"hour": 4, "minute": 32}
